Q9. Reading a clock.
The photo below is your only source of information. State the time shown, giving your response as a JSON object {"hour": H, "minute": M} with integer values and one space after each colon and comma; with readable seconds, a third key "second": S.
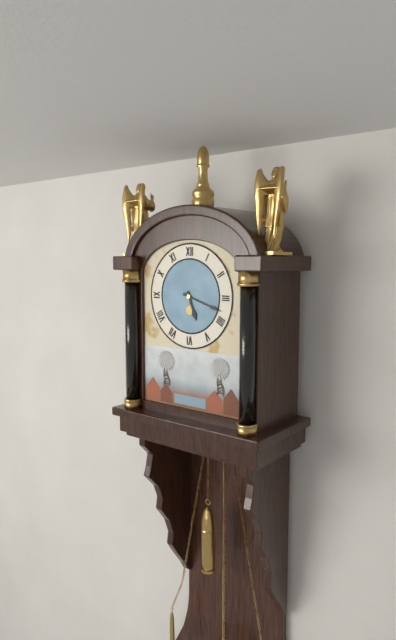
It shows {"hour": 5, "minute": 18}
